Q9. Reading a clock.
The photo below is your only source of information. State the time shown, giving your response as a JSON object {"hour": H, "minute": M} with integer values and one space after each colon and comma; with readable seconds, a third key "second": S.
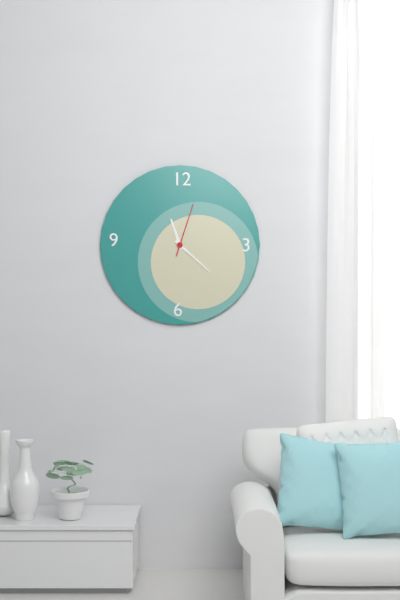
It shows {"hour": 11, "minute": 22, "second": 3}
